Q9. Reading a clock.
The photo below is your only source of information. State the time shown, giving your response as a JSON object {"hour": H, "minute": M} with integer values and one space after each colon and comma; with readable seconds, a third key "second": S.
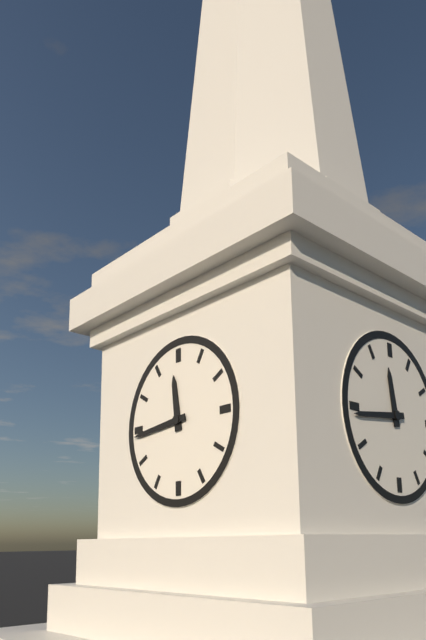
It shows {"hour": 11, "minute": 44}
